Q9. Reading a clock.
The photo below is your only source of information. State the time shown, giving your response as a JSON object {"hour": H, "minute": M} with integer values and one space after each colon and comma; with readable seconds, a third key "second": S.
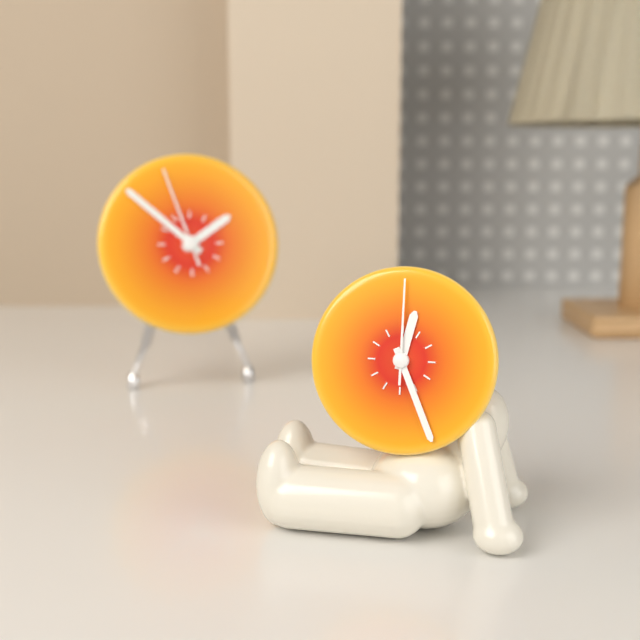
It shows {"hour": 12, "minute": 26, "second": 0}
